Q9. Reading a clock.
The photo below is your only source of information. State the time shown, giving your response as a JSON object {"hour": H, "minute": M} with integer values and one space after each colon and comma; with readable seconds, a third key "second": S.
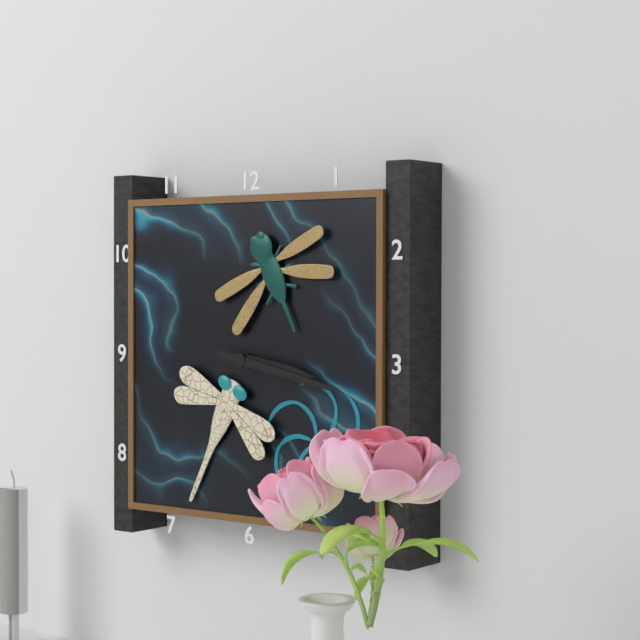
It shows {"hour": 3, "minute": 17}
